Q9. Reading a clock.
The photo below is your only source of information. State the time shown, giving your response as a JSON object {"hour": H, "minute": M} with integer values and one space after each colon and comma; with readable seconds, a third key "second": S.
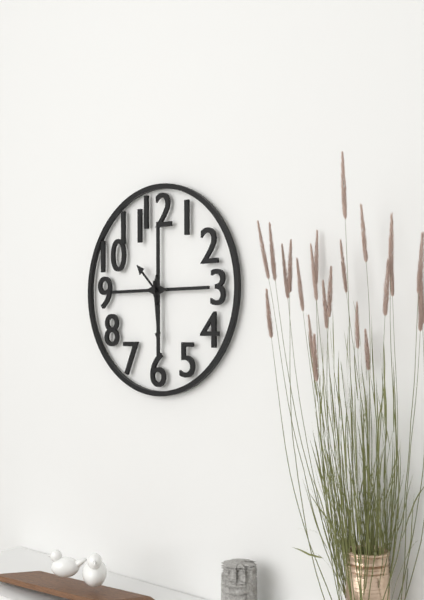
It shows {"hour": 10, "minute": 29}
